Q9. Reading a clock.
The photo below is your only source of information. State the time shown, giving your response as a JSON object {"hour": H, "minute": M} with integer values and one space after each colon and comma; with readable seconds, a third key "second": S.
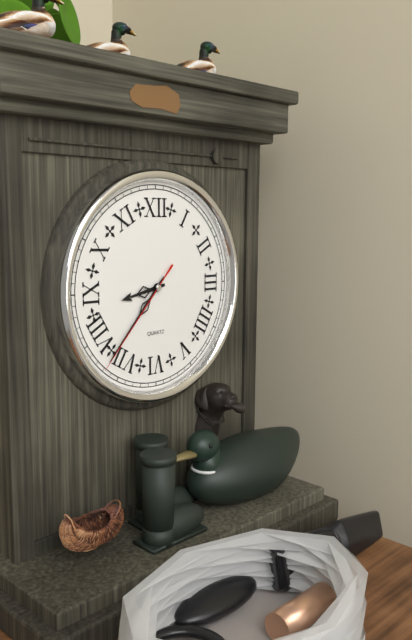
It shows {"hour": 8, "minute": 37, "second": 37}
